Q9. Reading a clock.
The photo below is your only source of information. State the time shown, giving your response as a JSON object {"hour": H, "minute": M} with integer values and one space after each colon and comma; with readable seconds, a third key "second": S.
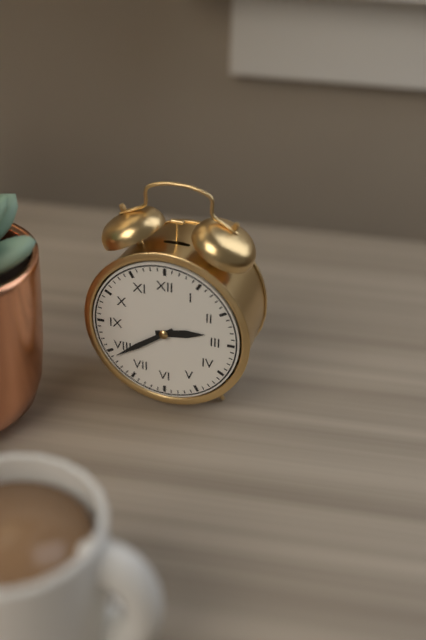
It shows {"hour": 2, "minute": 39}
